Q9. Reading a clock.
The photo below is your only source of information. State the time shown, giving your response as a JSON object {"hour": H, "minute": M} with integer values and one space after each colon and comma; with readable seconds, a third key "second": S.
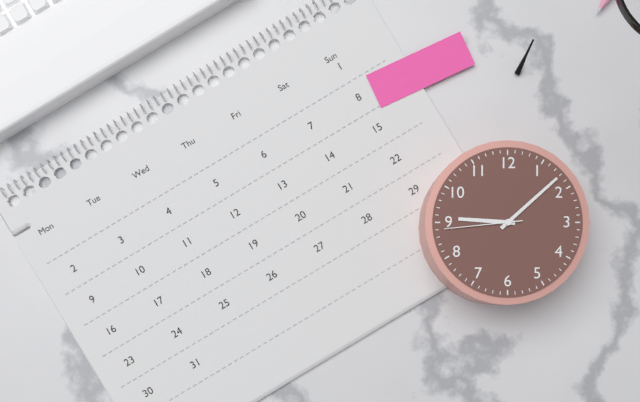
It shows {"hour": 9, "minute": 8, "second": 44}
